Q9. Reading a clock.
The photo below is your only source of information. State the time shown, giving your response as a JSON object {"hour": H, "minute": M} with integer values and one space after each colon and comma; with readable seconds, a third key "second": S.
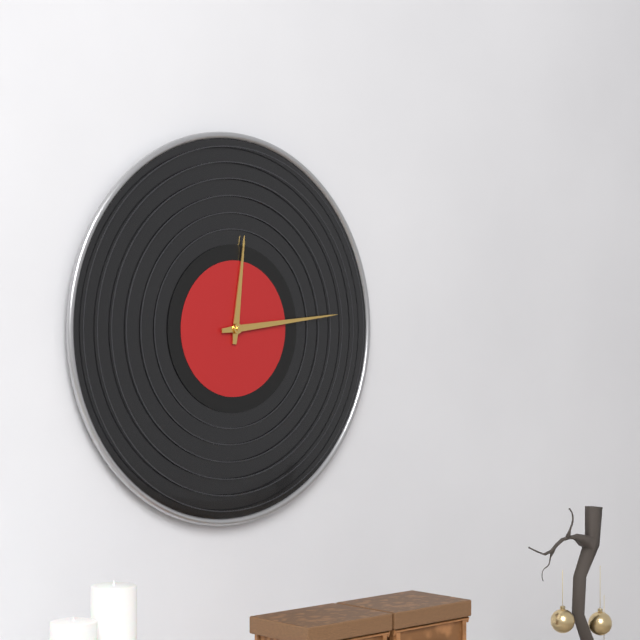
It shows {"hour": 12, "minute": 14}
